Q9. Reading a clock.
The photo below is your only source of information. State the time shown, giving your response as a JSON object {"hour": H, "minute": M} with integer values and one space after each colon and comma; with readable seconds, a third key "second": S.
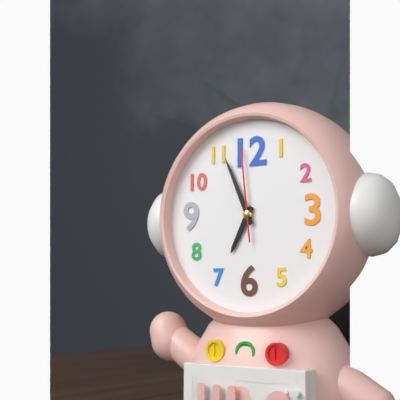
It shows {"hour": 6, "minute": 56, "second": 59}
